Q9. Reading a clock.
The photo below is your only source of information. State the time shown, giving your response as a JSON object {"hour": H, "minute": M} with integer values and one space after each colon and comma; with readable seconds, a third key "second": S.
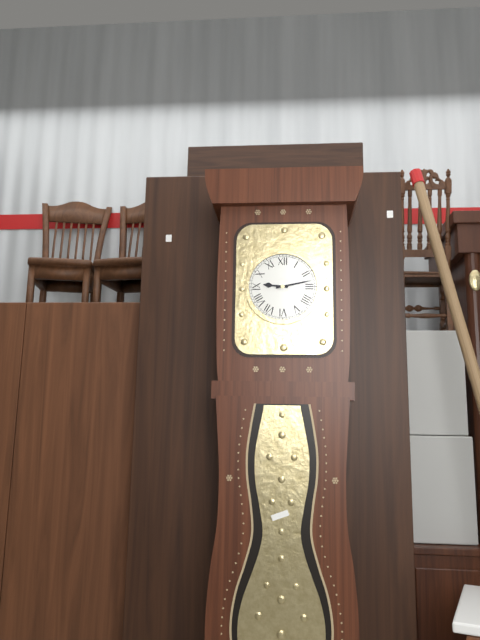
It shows {"hour": 9, "minute": 13}
